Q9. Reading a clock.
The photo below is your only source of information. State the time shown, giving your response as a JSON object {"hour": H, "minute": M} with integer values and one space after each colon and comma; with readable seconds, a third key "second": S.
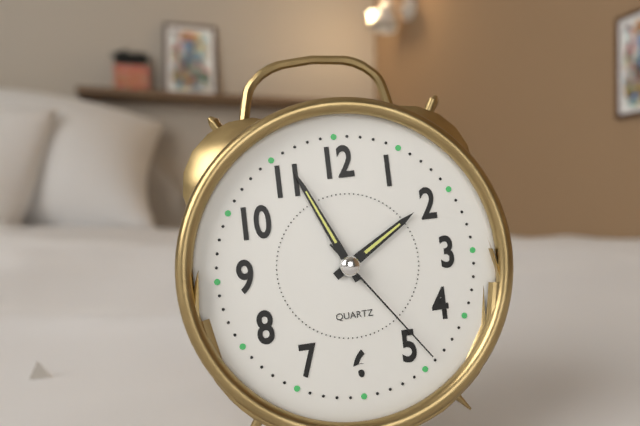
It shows {"hour": 1, "minute": 56, "second": 24}
